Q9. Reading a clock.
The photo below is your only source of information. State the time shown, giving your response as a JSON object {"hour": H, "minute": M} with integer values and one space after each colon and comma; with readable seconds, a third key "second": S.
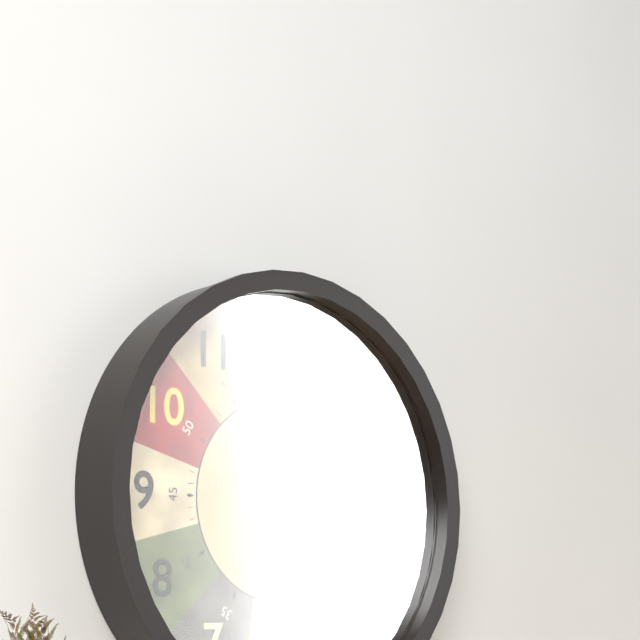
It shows {"hour": 1, "minute": 59, "second": 1}
